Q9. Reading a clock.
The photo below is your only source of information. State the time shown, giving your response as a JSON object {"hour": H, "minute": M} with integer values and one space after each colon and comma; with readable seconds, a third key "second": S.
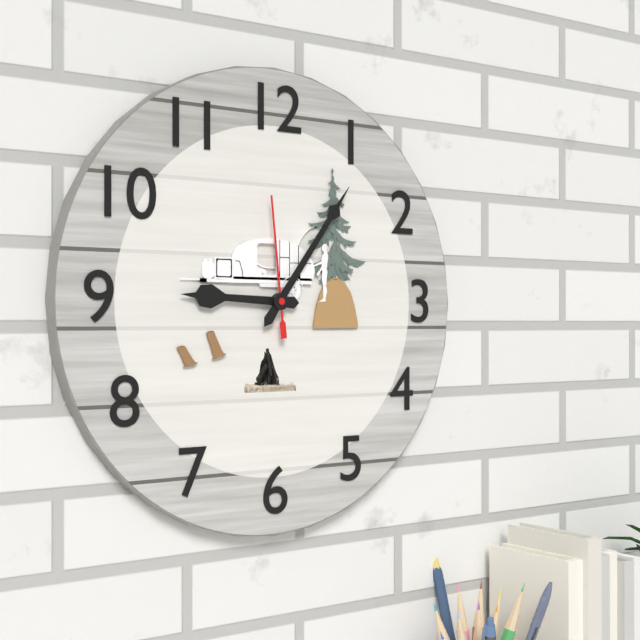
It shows {"hour": 9, "minute": 6, "second": 59}
